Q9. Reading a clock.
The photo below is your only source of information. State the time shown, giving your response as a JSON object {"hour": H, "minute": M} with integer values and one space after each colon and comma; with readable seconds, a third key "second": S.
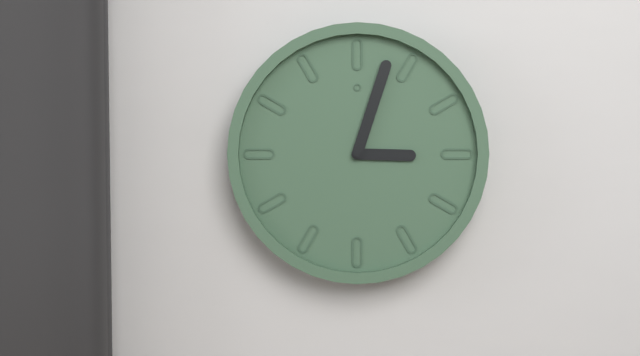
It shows {"hour": 3, "minute": 3}
